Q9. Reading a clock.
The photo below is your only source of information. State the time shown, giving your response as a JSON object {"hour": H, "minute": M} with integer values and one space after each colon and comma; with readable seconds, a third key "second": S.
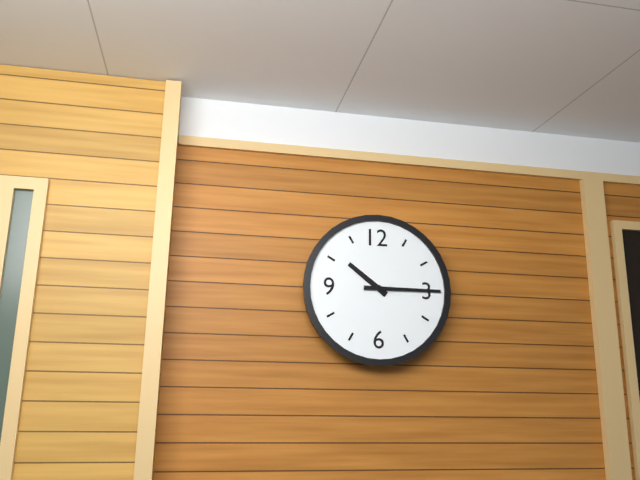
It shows {"hour": 10, "minute": 15}
